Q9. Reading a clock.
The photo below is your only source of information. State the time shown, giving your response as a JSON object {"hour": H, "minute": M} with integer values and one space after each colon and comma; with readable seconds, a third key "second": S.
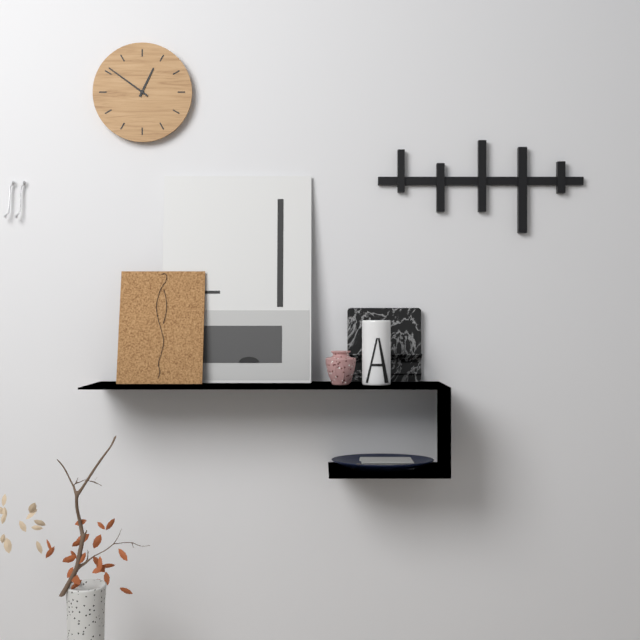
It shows {"hour": 12, "minute": 51}
